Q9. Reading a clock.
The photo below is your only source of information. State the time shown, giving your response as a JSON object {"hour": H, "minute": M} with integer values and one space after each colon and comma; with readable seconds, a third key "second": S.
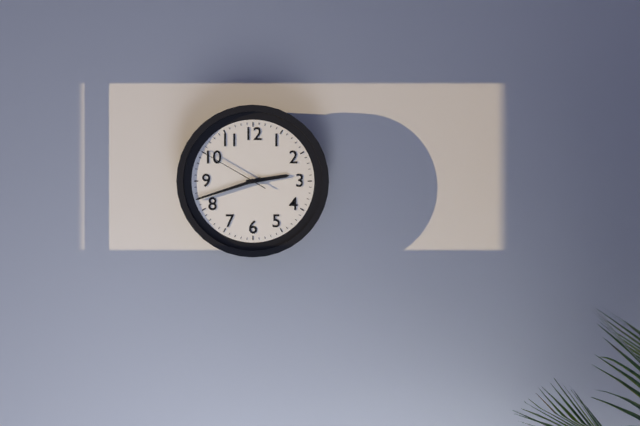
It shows {"hour": 2, "minute": 42, "second": 50}
